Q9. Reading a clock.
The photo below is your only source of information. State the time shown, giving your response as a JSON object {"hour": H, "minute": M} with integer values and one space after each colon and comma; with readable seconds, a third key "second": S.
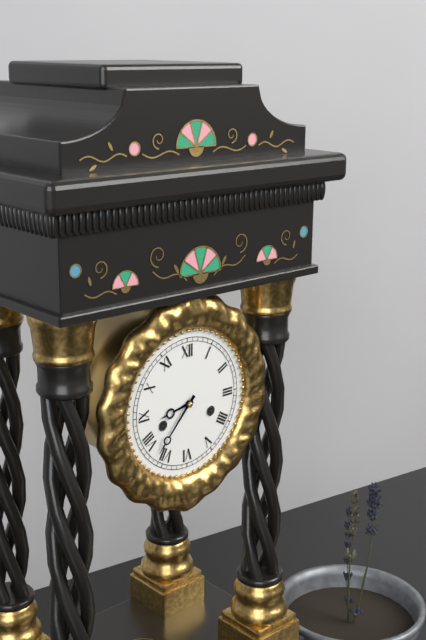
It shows {"hour": 8, "minute": 37}
